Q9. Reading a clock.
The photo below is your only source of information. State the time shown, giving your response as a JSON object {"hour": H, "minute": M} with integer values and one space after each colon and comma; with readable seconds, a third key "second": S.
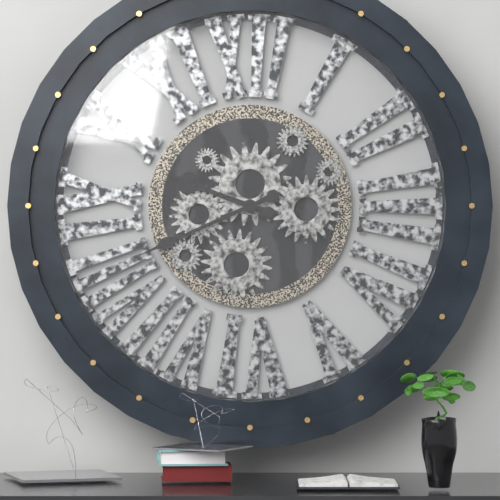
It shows {"hour": 9, "minute": 41}
